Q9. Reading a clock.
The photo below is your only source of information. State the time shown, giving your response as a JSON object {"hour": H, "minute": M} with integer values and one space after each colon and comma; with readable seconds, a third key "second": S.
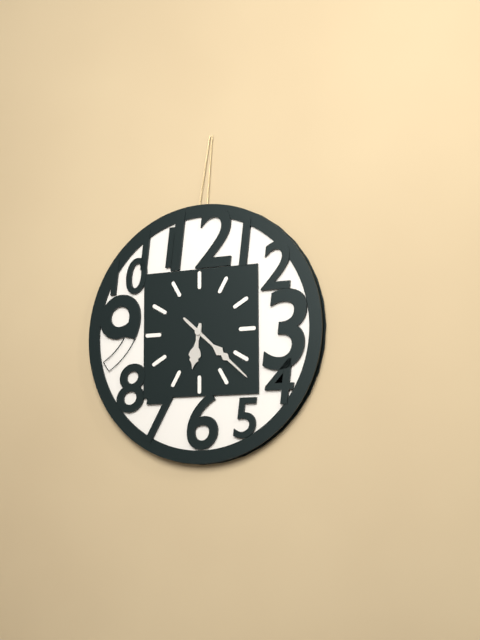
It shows {"hour": 6, "minute": 22}
